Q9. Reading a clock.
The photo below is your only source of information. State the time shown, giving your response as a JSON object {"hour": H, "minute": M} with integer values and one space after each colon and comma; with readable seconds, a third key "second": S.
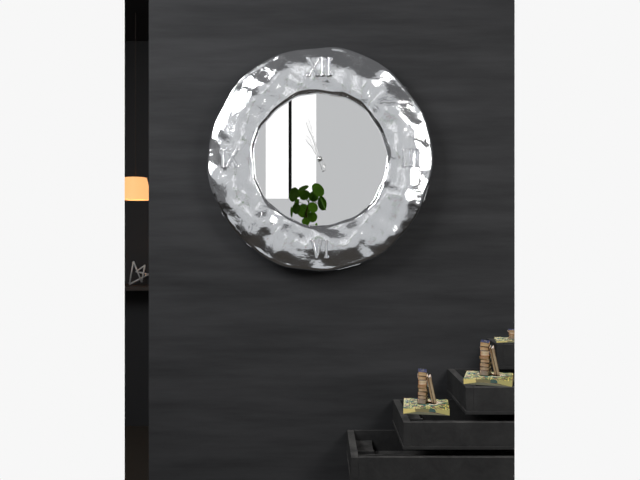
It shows {"hour": 10, "minute": 57}
